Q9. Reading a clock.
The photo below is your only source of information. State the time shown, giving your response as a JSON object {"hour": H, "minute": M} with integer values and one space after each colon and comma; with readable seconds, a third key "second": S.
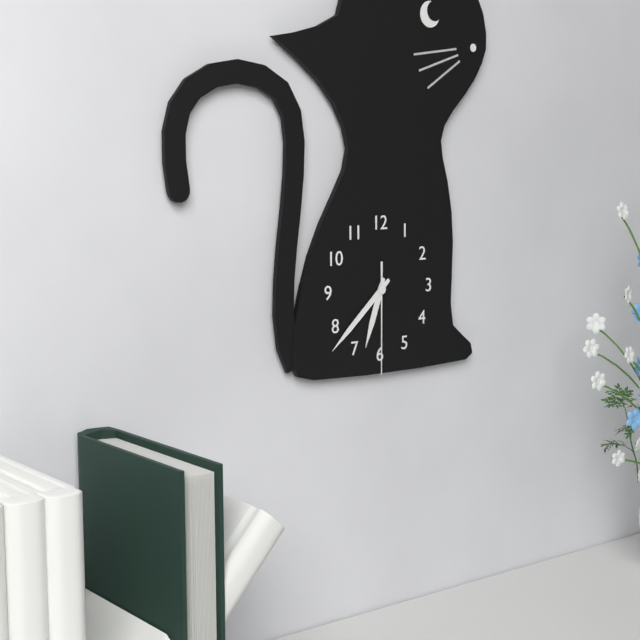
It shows {"hour": 6, "minute": 38, "second": 30}
